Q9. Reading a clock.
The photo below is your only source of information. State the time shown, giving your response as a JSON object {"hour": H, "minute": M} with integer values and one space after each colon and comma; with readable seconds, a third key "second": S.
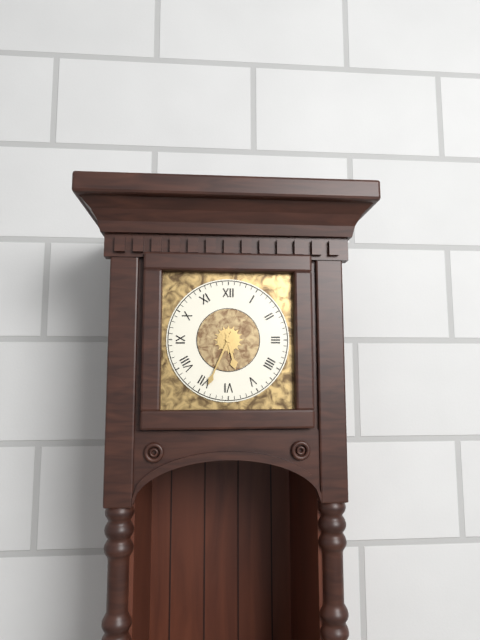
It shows {"hour": 5, "minute": 34}
